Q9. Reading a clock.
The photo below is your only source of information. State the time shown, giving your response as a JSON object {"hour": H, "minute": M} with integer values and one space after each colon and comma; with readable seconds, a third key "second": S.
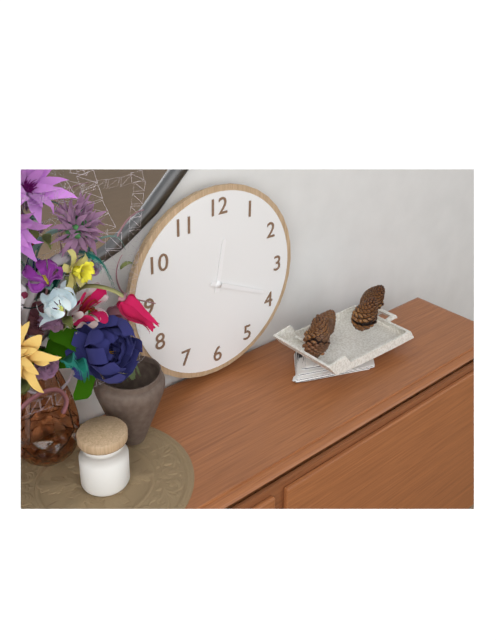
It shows {"hour": 12, "minute": 19}
